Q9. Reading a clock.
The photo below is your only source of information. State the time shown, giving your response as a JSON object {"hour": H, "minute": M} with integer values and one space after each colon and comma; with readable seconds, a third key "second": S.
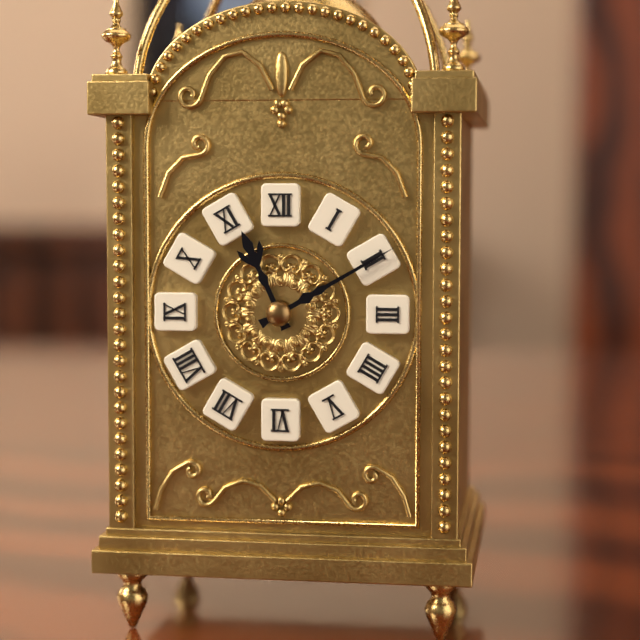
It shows {"hour": 11, "minute": 10}
